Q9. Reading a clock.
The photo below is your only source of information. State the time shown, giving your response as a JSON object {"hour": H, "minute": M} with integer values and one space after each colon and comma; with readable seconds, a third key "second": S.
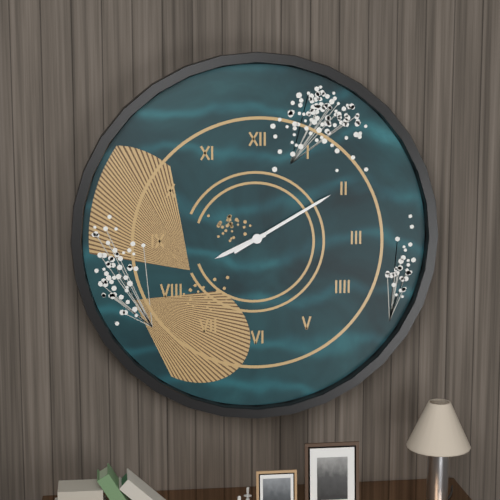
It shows {"hour": 8, "minute": 10}
